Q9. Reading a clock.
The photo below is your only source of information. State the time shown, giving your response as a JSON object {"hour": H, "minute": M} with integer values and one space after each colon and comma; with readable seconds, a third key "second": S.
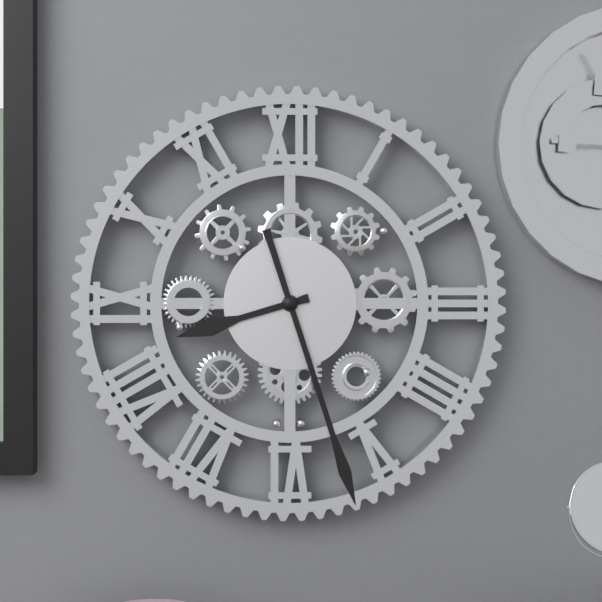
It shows {"hour": 8, "minute": 27}
